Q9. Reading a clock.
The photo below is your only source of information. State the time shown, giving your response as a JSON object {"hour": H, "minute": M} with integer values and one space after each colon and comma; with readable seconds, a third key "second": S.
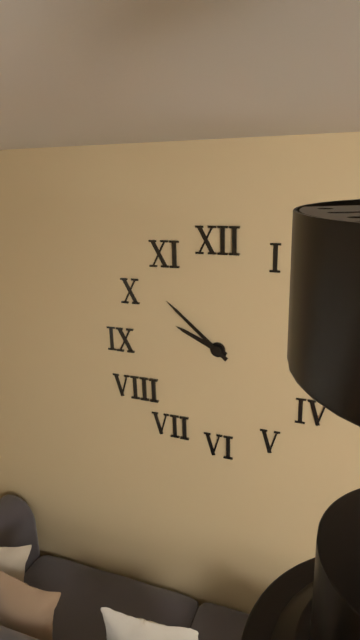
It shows {"hour": 9, "minute": 52}
